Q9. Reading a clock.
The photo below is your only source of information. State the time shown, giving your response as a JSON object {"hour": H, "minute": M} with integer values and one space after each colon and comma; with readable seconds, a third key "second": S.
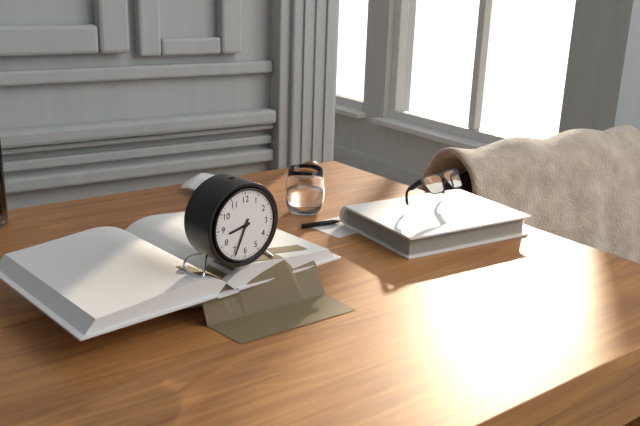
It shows {"hour": 8, "minute": 34}
